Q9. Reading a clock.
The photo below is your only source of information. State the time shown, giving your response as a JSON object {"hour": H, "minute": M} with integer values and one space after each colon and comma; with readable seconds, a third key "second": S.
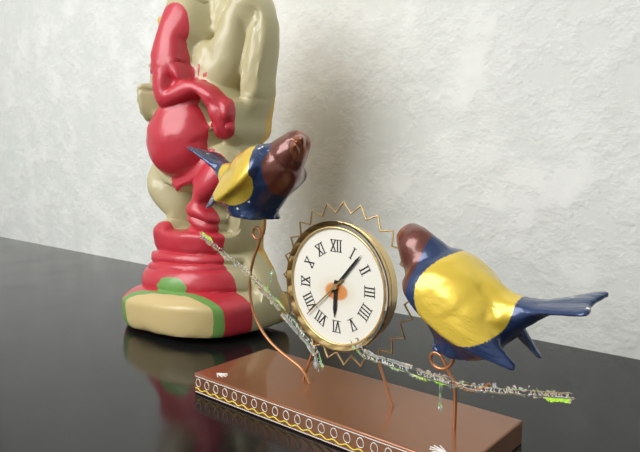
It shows {"hour": 6, "minute": 7, "second": 38}
